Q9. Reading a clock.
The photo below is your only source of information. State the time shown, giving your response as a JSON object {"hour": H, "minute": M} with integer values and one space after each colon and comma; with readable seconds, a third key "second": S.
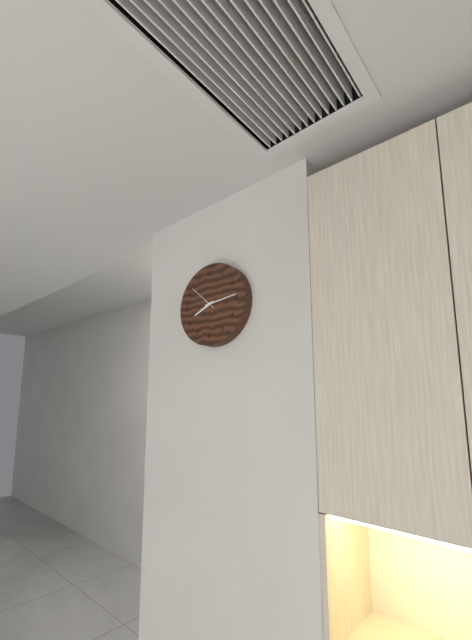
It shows {"hour": 8, "minute": 14}
